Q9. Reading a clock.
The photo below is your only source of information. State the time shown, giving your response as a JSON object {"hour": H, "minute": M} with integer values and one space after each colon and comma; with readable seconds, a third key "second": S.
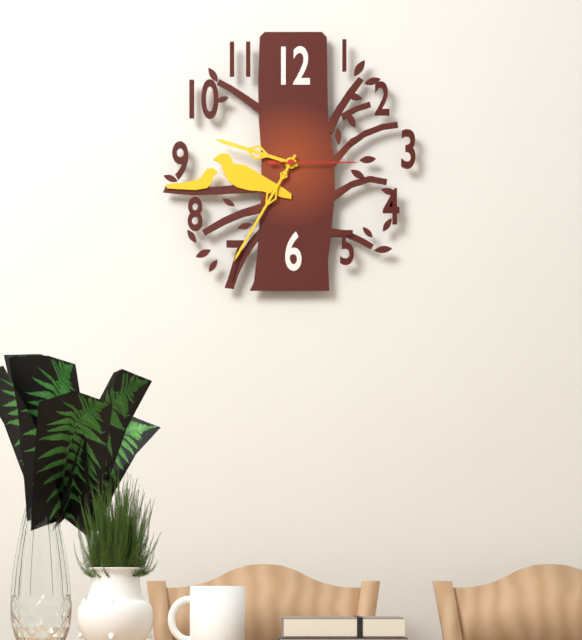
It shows {"hour": 9, "minute": 35, "second": 15}
